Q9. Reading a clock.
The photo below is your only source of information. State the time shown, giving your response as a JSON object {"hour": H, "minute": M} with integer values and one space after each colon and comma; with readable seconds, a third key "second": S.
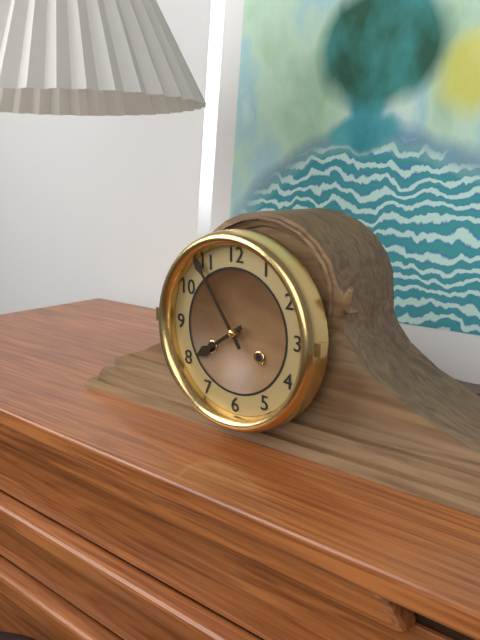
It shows {"hour": 7, "minute": 54}
